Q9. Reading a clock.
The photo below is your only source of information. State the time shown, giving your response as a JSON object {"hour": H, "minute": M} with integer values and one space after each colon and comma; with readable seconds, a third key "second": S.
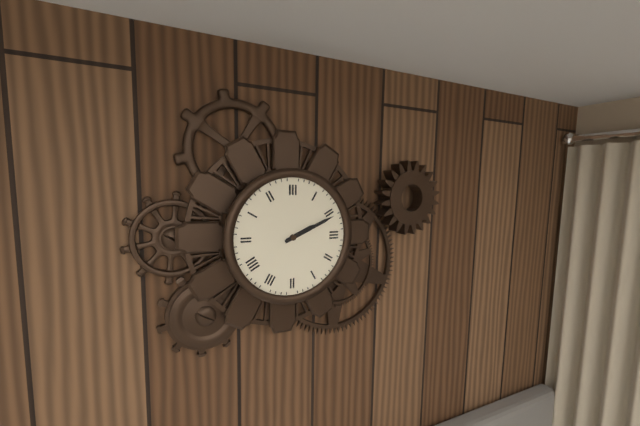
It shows {"hour": 2, "minute": 11}
